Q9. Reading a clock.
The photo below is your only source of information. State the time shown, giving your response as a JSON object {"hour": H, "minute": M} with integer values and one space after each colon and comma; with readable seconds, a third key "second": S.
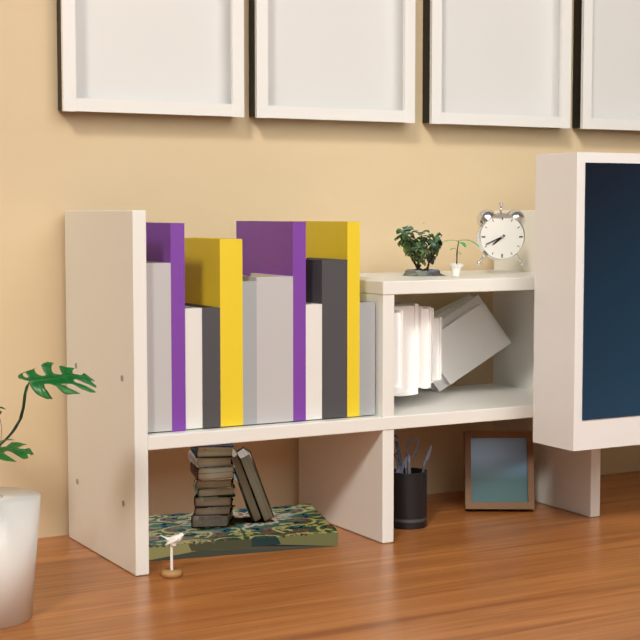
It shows {"hour": 7, "minute": 41}
